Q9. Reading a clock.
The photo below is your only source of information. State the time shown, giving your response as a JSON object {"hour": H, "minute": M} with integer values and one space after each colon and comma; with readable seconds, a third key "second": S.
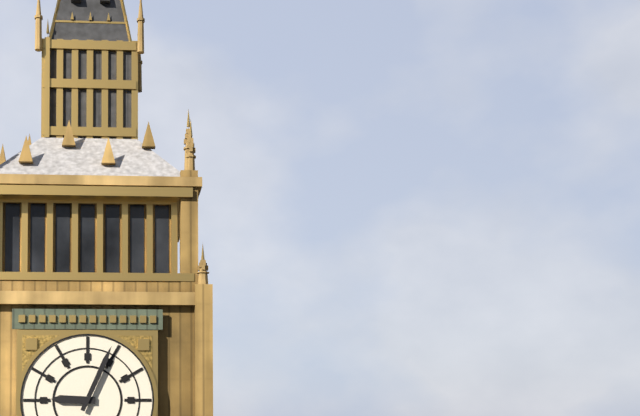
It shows {"hour": 9, "minute": 4}
